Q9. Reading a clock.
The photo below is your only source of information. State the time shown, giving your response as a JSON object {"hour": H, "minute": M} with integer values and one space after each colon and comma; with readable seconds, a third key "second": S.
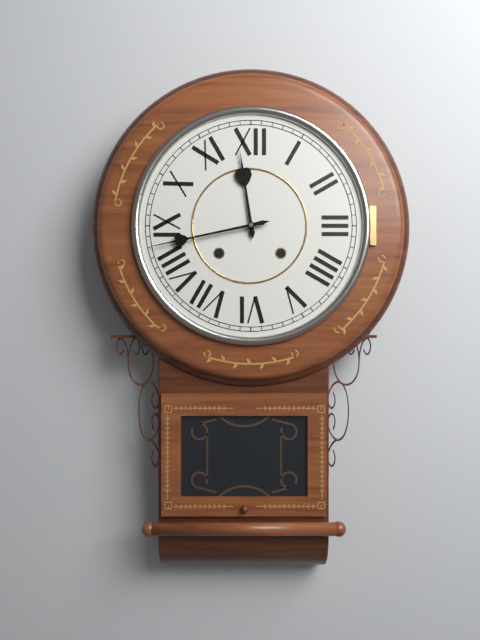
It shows {"hour": 11, "minute": 43}
